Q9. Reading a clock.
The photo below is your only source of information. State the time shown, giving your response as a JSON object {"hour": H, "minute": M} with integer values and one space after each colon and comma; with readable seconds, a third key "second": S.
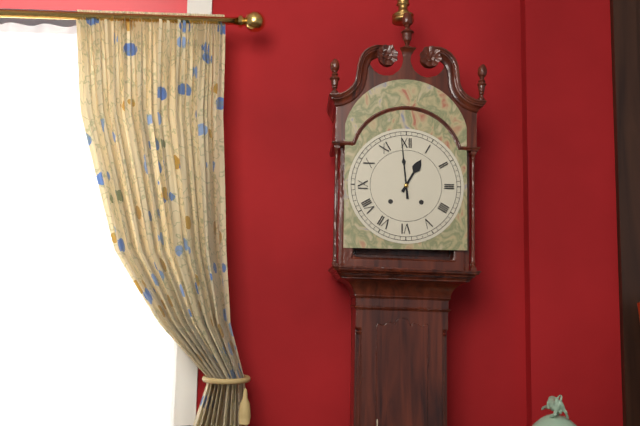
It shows {"hour": 12, "minute": 59}
